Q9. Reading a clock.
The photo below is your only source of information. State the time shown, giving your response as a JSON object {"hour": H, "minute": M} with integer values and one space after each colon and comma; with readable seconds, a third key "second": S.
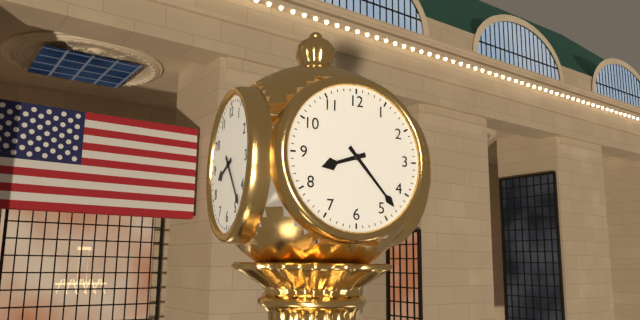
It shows {"hour": 8, "minute": 23}
